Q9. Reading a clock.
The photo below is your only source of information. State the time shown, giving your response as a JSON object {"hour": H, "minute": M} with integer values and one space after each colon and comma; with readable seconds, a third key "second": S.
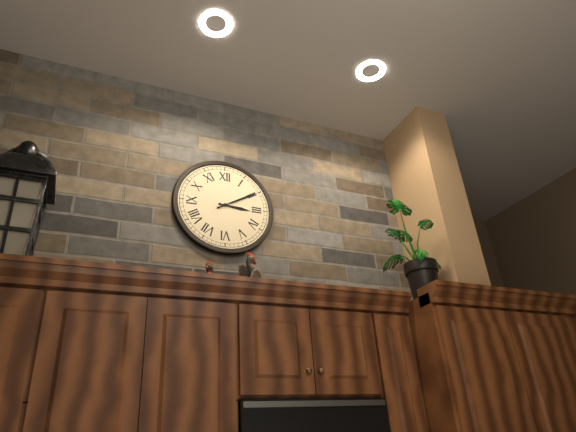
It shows {"hour": 3, "minute": 10}
